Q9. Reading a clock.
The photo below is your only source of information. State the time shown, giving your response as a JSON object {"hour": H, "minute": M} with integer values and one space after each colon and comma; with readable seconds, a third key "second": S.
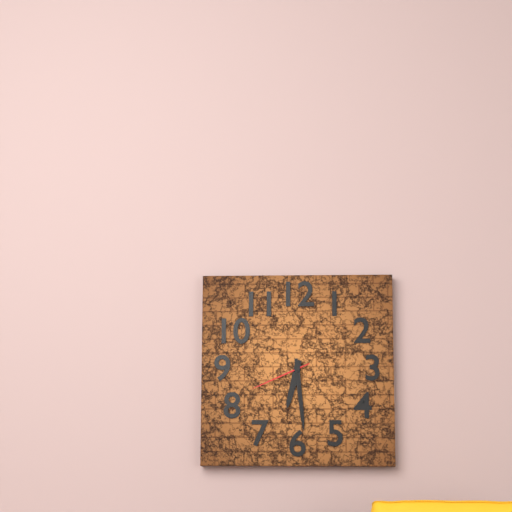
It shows {"hour": 6, "minute": 29, "second": 41}
